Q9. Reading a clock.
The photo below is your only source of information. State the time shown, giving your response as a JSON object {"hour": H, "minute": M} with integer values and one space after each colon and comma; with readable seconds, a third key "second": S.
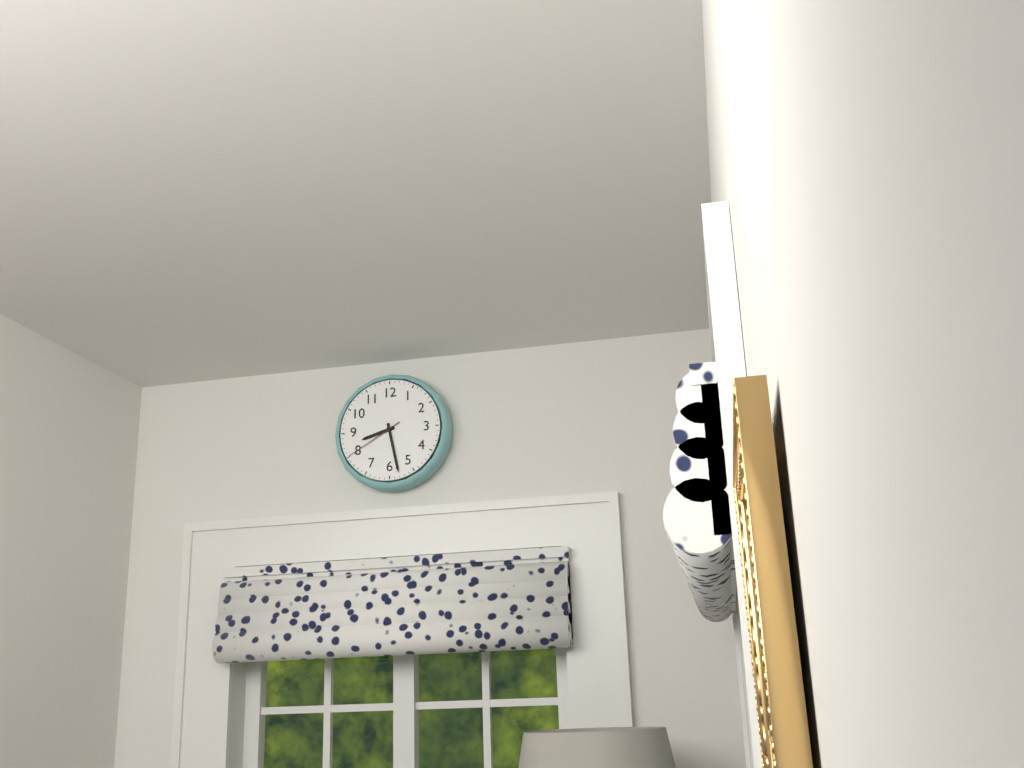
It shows {"hour": 8, "minute": 28, "second": 40}
